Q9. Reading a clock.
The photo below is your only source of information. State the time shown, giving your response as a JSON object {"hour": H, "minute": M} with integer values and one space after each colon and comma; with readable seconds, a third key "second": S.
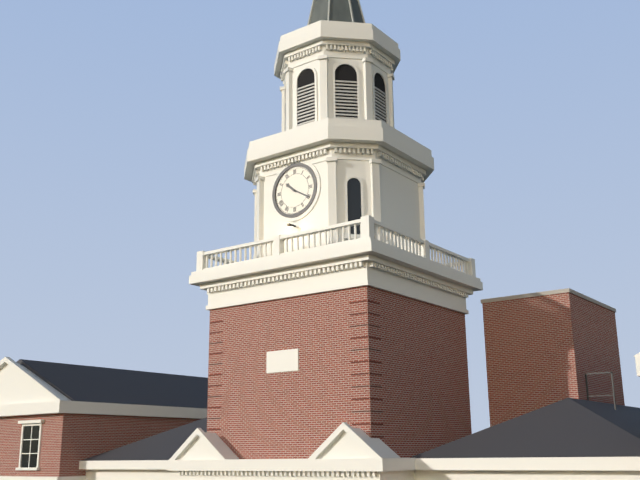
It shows {"hour": 10, "minute": 20}
